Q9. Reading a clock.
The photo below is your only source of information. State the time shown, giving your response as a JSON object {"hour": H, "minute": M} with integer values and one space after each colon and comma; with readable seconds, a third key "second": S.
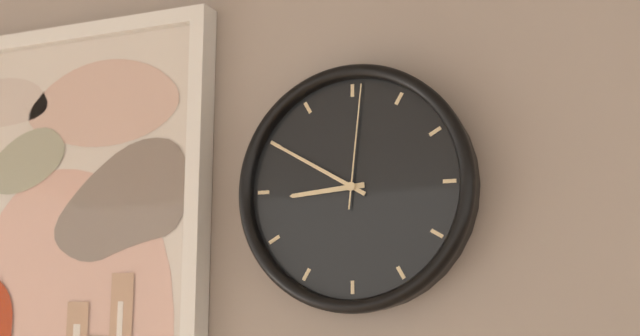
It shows {"hour": 8, "minute": 50, "second": 1}
